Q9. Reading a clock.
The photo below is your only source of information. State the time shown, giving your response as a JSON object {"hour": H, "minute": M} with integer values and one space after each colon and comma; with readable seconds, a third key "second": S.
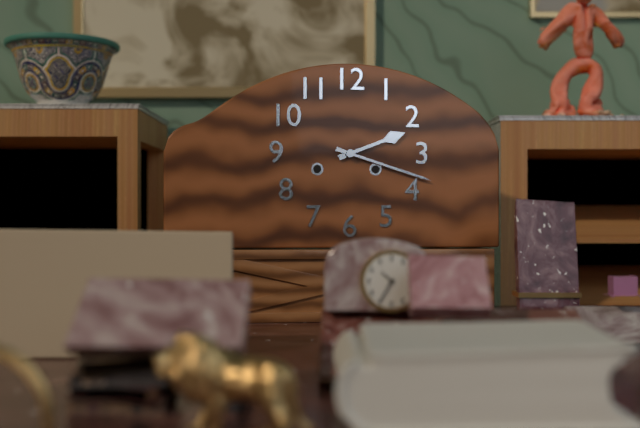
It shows {"hour": 2, "minute": 18}
